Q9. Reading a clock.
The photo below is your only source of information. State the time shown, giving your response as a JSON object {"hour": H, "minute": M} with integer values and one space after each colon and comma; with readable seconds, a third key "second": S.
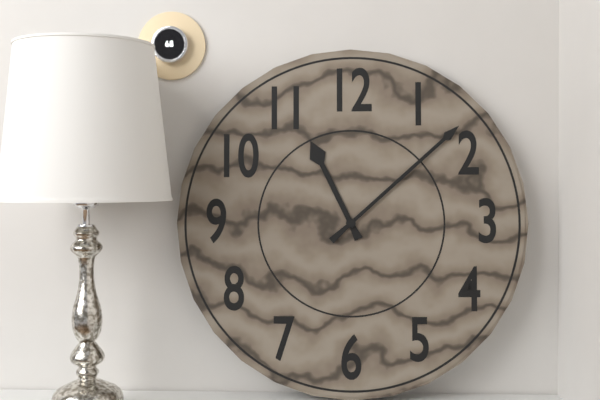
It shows {"hour": 11, "minute": 8}
